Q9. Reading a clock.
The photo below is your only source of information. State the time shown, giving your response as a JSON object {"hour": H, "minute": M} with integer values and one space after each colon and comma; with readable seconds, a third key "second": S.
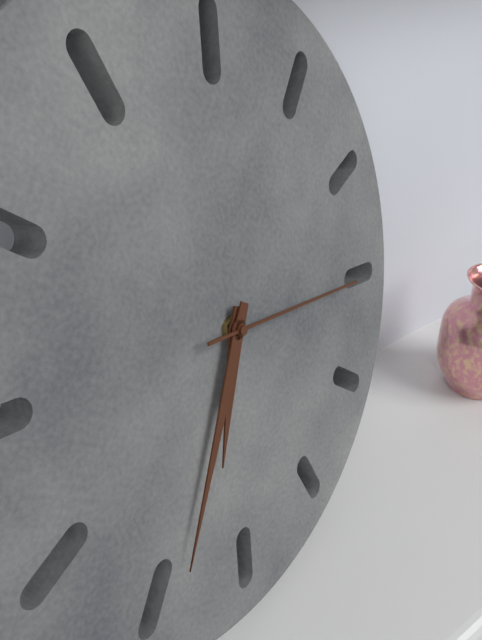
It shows {"hour": 5, "minute": 29, "second": 10}
